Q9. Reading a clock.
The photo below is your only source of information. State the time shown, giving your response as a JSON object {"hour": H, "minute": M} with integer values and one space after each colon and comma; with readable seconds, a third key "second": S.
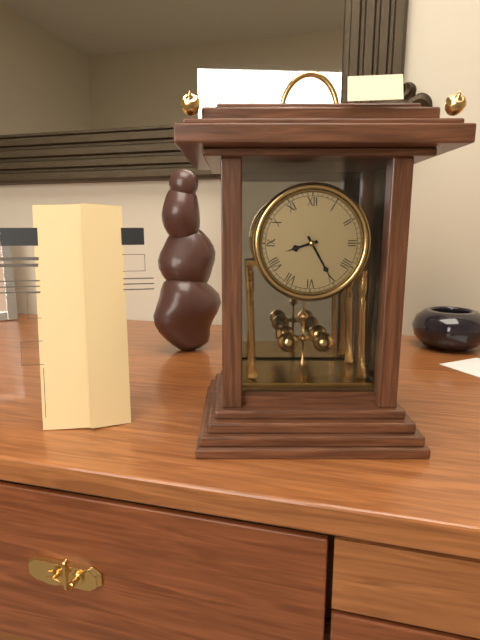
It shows {"hour": 8, "minute": 25}
